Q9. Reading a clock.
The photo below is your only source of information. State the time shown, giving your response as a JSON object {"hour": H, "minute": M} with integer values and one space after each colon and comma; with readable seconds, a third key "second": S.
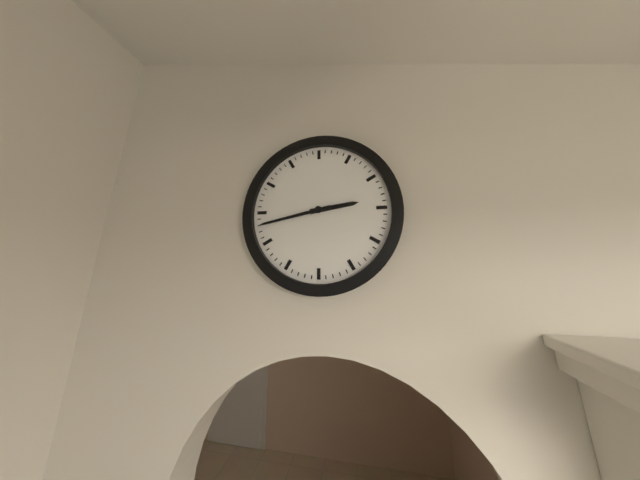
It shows {"hour": 2, "minute": 43}
